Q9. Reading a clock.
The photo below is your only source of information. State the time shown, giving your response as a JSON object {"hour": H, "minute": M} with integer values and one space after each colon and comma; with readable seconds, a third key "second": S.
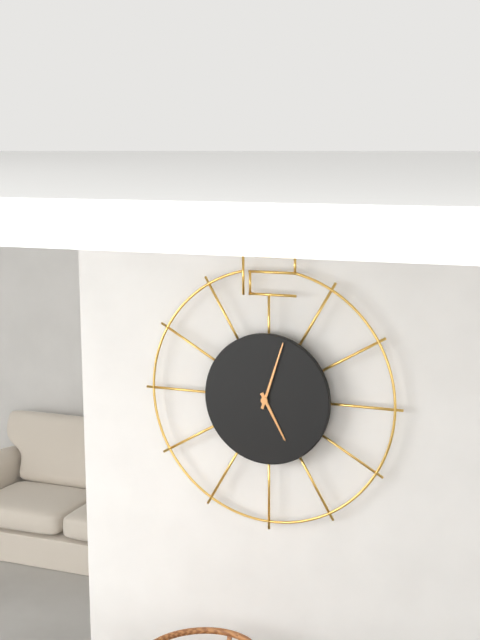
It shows {"hour": 5, "minute": 3}
